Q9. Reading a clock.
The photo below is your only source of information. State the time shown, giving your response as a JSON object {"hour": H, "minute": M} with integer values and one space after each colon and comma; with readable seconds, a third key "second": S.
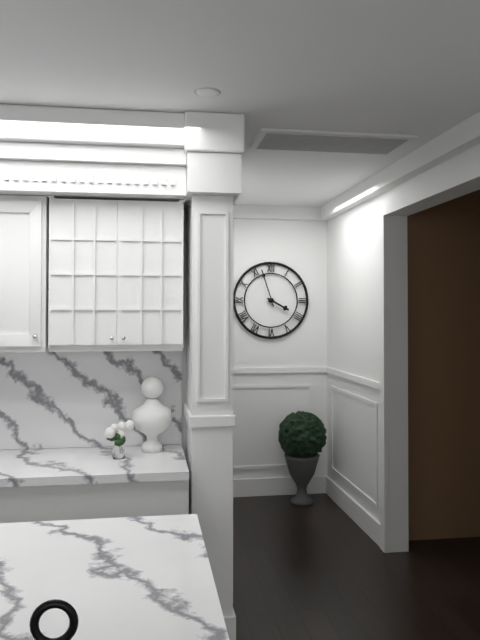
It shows {"hour": 3, "minute": 57}
